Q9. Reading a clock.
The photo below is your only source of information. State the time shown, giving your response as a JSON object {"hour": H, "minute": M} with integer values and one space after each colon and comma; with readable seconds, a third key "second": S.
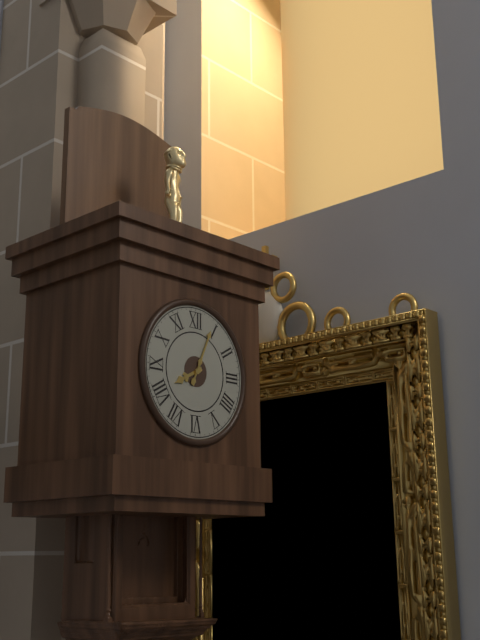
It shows {"hour": 8, "minute": 4}
